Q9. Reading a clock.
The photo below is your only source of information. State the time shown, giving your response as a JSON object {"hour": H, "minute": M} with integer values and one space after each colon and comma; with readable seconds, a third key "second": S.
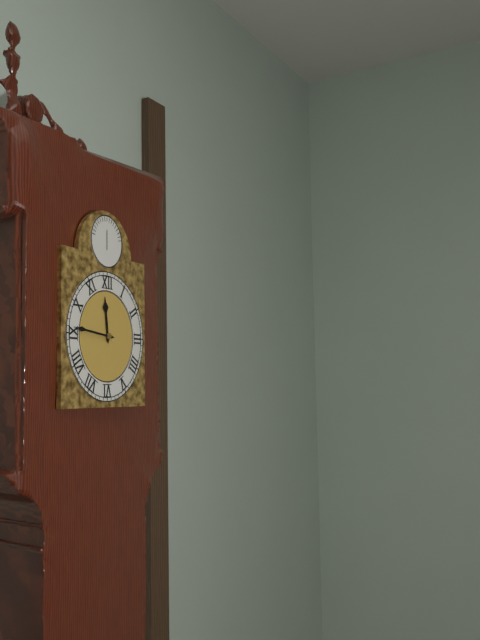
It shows {"hour": 11, "minute": 46}
